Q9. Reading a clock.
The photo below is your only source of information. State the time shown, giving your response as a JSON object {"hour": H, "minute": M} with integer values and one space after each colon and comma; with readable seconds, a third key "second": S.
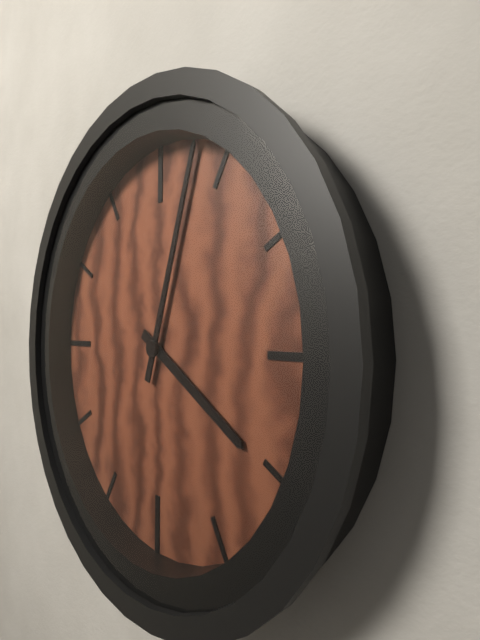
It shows {"hour": 4, "minute": 3}
